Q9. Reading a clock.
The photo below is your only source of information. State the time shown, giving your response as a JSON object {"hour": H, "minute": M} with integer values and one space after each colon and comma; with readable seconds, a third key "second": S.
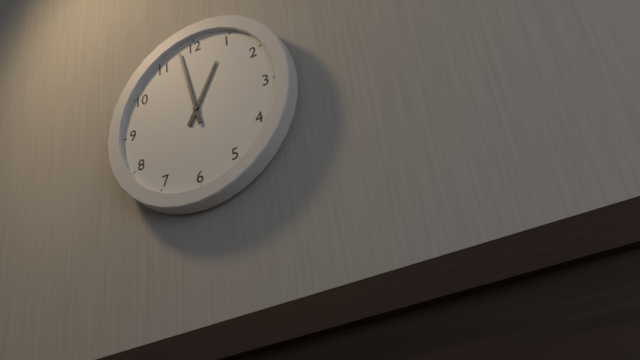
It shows {"hour": 12, "minute": 58}
